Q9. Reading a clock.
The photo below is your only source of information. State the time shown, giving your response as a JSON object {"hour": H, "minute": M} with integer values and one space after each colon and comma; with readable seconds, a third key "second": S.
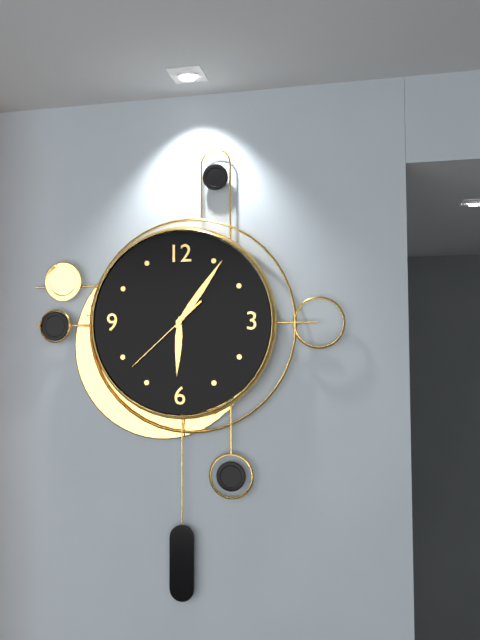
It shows {"hour": 6, "minute": 6, "second": 38}
